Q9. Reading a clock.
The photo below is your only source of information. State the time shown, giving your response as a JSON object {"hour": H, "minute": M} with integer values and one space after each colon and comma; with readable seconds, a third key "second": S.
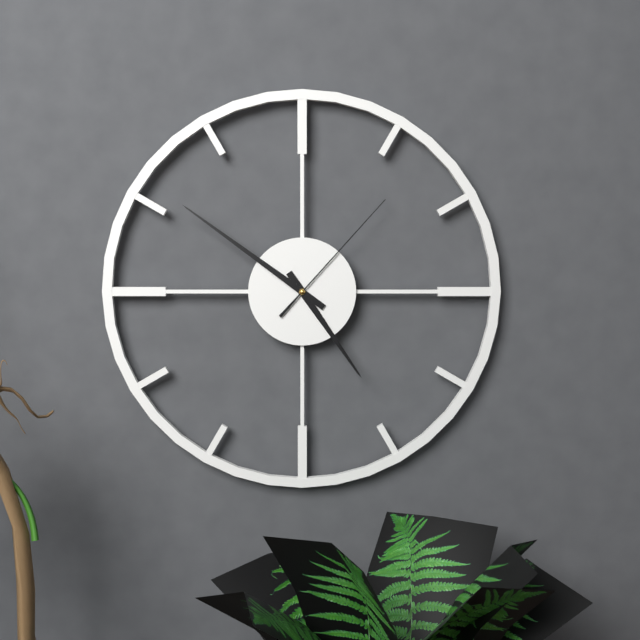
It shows {"hour": 4, "minute": 51, "second": 7}
